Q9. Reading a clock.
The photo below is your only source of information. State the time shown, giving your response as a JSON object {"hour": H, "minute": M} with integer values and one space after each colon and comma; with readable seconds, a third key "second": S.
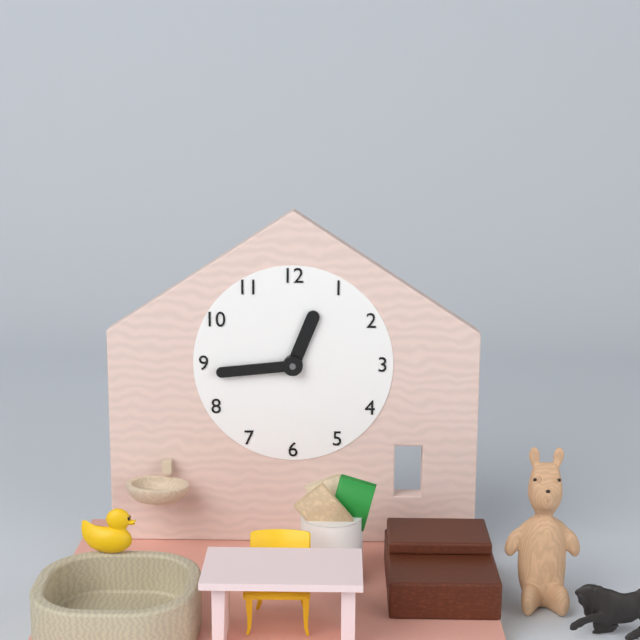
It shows {"hour": 12, "minute": 44}
